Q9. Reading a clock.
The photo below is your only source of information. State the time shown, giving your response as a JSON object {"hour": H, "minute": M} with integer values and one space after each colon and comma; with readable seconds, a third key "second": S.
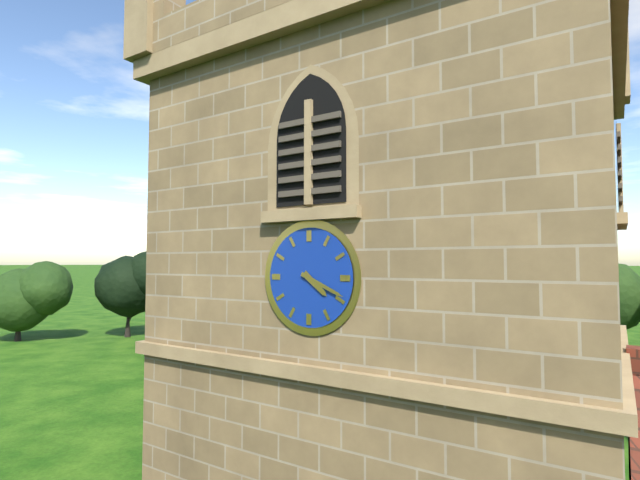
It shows {"hour": 4, "minute": 19}
